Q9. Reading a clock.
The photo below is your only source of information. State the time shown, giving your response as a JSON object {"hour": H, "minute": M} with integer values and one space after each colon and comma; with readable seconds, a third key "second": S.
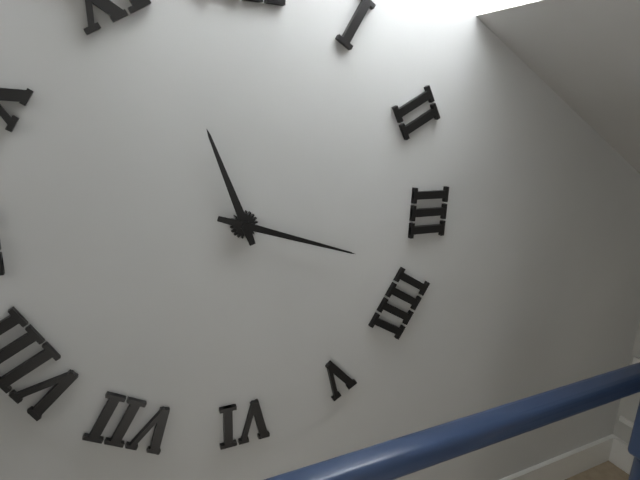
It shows {"hour": 11, "minute": 18}
